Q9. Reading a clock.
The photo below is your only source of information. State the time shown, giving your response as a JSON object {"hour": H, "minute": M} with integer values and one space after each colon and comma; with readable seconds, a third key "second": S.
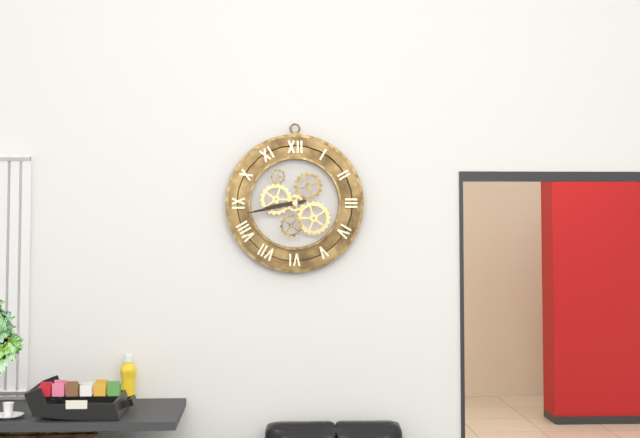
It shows {"hour": 8, "minute": 43}
